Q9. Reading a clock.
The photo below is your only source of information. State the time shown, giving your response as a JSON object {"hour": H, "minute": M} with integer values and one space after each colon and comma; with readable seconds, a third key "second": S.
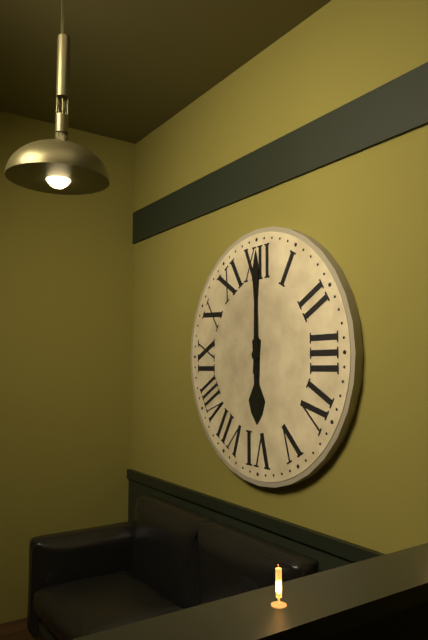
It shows {"hour": 6, "minute": 0}
